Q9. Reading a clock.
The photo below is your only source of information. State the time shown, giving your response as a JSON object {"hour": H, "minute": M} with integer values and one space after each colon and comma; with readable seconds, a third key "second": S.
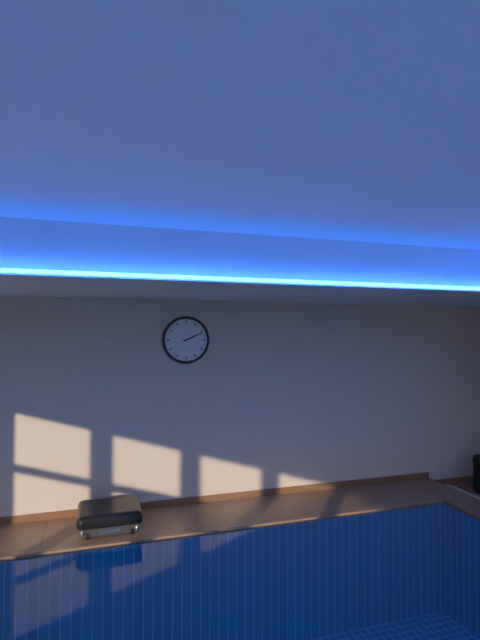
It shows {"hour": 2, "minute": 11}
